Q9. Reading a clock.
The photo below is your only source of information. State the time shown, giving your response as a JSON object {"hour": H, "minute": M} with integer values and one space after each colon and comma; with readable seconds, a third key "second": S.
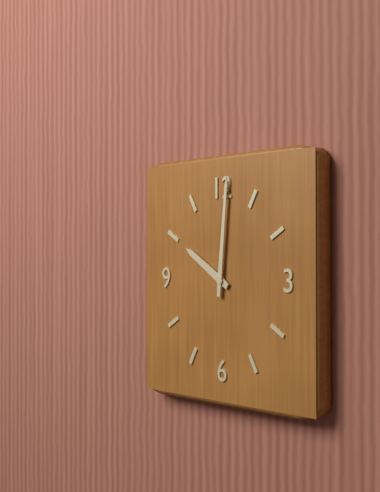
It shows {"hour": 10, "minute": 1}
